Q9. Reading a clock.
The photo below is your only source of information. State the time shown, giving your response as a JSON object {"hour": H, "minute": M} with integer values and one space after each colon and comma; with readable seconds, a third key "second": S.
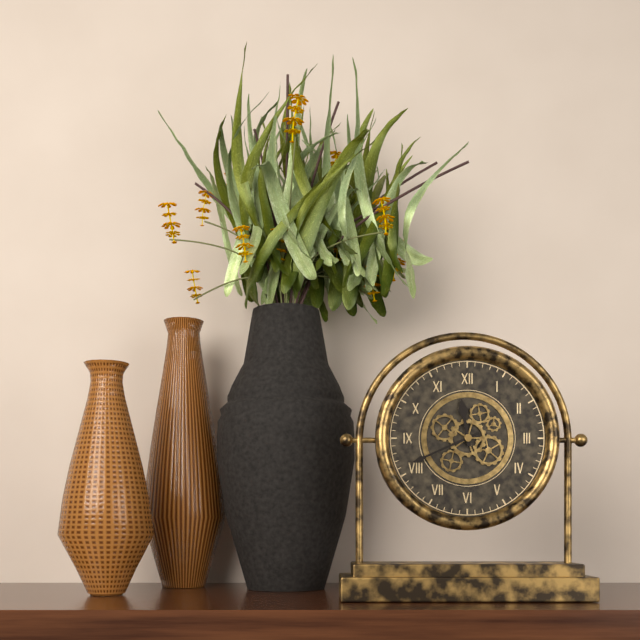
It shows {"hour": 11, "minute": 41}
